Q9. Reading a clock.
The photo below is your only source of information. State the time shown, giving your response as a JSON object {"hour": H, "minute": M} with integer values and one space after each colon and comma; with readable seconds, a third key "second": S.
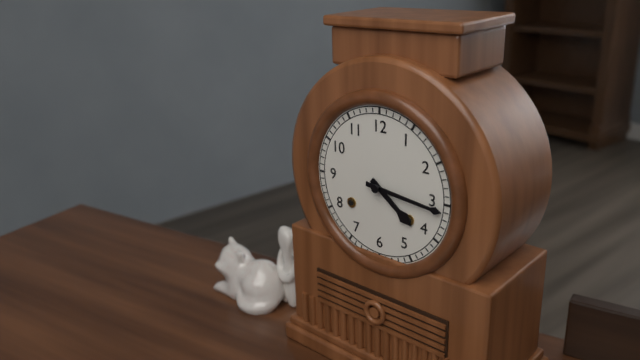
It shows {"hour": 4, "minute": 16}
